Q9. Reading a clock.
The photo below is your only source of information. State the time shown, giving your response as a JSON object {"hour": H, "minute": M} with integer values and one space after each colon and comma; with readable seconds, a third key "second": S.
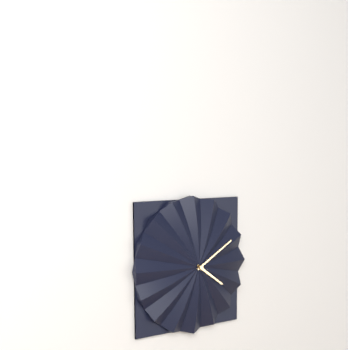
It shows {"hour": 4, "minute": 10}
